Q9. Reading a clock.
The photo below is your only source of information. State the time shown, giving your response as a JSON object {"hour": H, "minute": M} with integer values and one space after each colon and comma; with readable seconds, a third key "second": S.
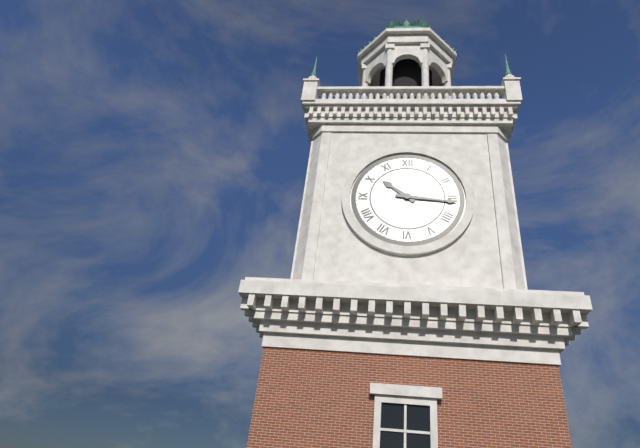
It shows {"hour": 10, "minute": 16}
